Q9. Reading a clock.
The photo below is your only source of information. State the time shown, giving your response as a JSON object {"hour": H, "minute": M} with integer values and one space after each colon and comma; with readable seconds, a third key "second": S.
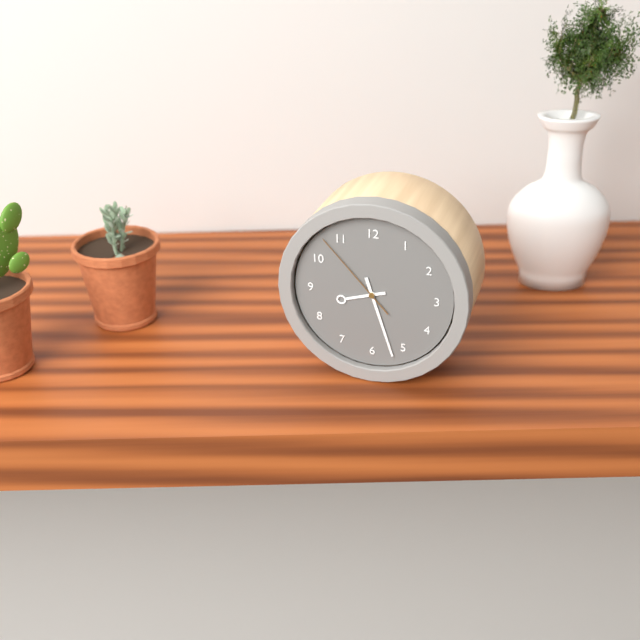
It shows {"hour": 8, "minute": 27, "second": 53}
